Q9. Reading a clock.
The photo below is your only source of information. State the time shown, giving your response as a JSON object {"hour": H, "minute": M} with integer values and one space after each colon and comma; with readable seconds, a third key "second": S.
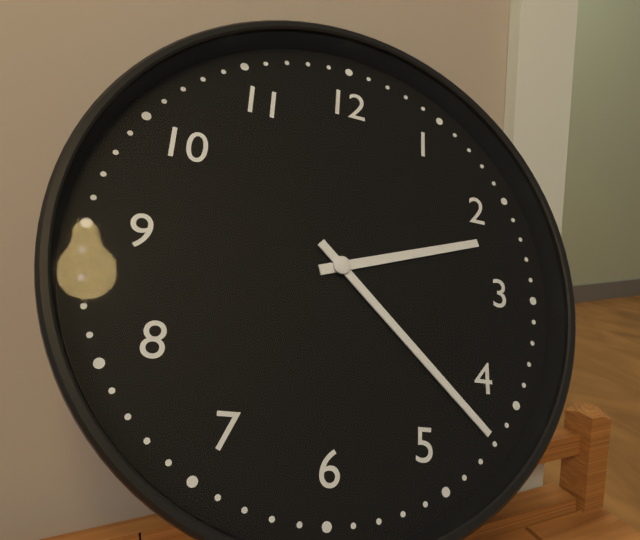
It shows {"hour": 2, "minute": 22}
